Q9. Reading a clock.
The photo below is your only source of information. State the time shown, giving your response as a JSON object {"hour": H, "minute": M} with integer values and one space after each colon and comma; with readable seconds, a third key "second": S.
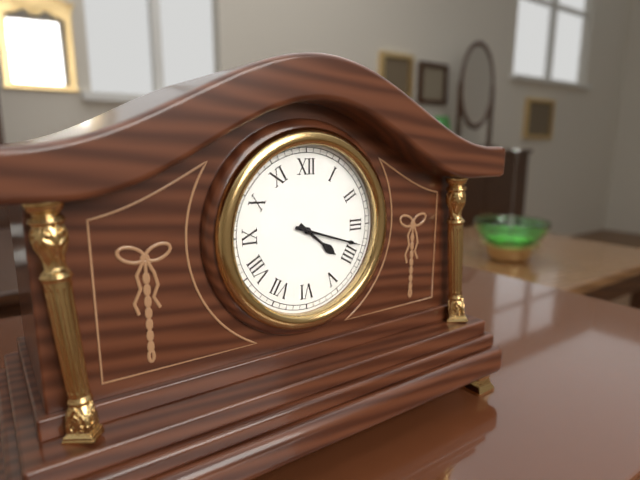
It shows {"hour": 4, "minute": 18}
